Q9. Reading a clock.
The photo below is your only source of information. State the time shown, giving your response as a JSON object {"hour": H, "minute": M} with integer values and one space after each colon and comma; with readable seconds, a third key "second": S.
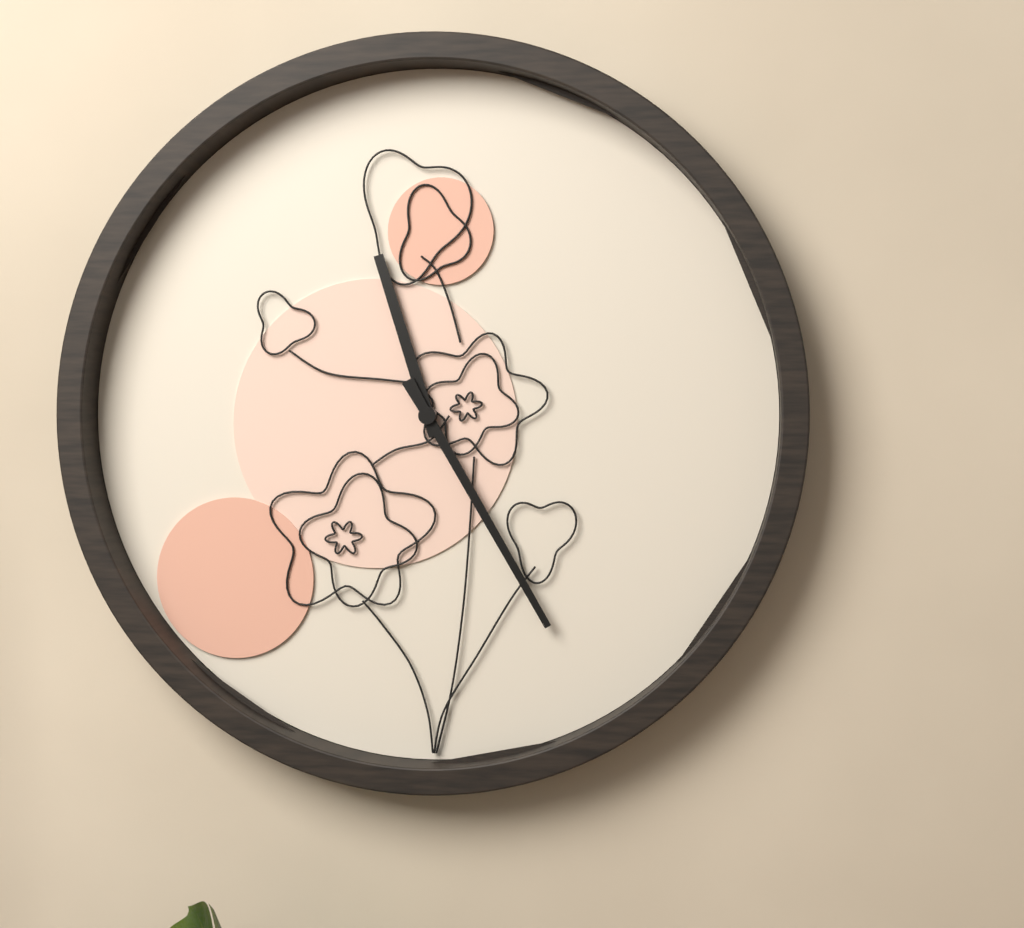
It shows {"hour": 11, "minute": 25}
